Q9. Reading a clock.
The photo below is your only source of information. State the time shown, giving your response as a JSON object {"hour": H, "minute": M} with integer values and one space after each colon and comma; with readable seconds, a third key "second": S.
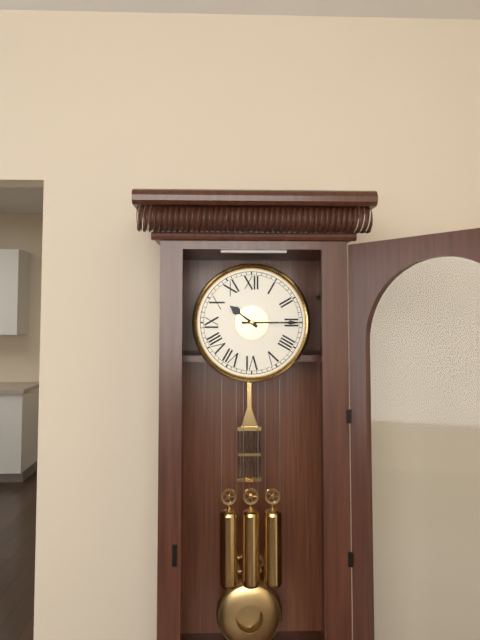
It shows {"hour": 10, "minute": 15}
